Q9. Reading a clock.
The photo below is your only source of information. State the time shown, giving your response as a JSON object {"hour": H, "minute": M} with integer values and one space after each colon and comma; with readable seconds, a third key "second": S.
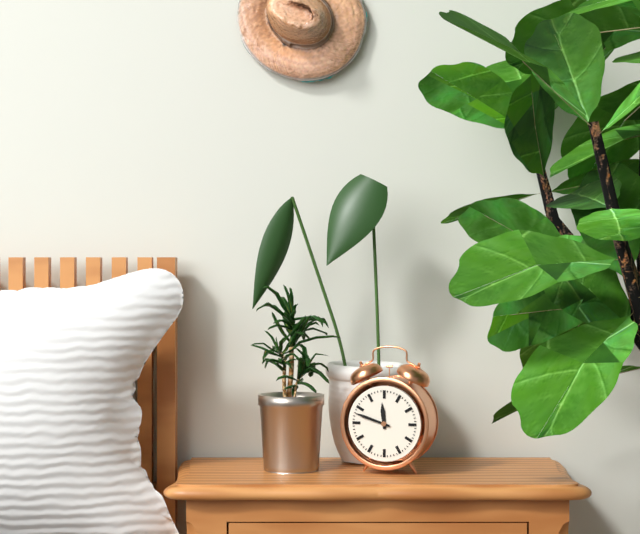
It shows {"hour": 11, "minute": 48}
